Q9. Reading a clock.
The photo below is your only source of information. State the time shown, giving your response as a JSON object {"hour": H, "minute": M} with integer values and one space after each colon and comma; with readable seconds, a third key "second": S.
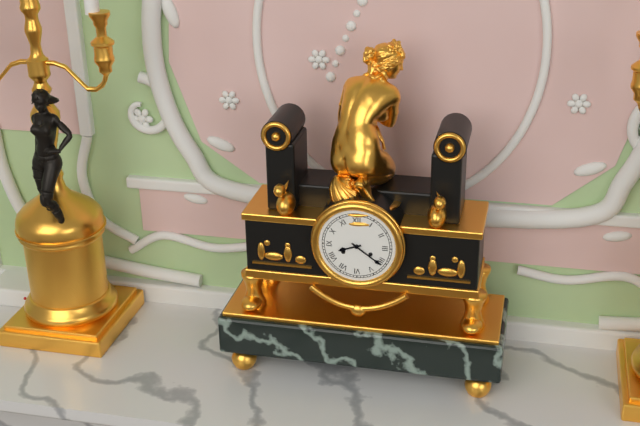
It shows {"hour": 8, "minute": 21}
